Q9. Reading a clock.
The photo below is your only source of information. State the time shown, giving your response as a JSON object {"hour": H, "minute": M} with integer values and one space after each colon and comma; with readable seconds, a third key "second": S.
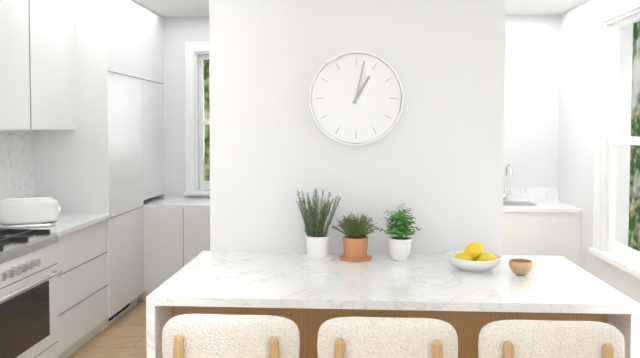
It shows {"hour": 1, "minute": 2}
